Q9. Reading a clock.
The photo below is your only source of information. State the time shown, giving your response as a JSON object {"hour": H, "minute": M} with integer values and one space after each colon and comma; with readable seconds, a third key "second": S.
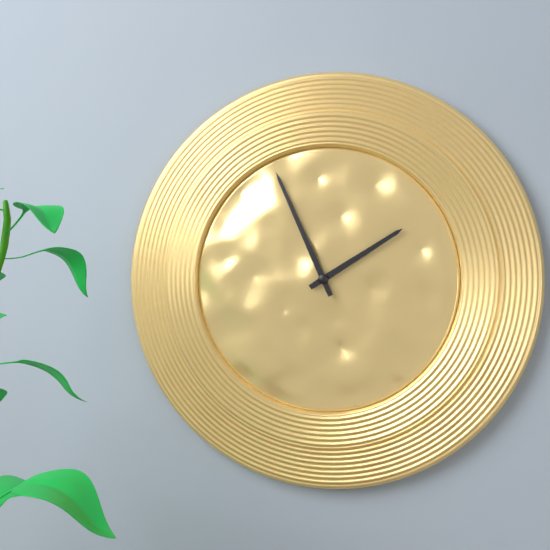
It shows {"hour": 1, "minute": 56}
